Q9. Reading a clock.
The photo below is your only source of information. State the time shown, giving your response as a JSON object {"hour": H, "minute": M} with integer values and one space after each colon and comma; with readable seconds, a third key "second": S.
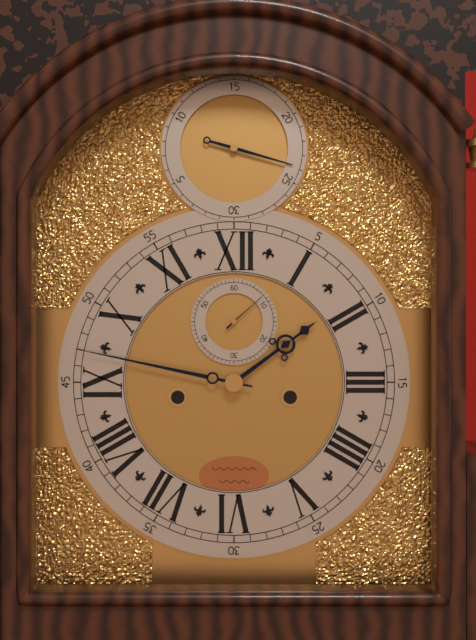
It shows {"hour": 1, "minute": 47}
